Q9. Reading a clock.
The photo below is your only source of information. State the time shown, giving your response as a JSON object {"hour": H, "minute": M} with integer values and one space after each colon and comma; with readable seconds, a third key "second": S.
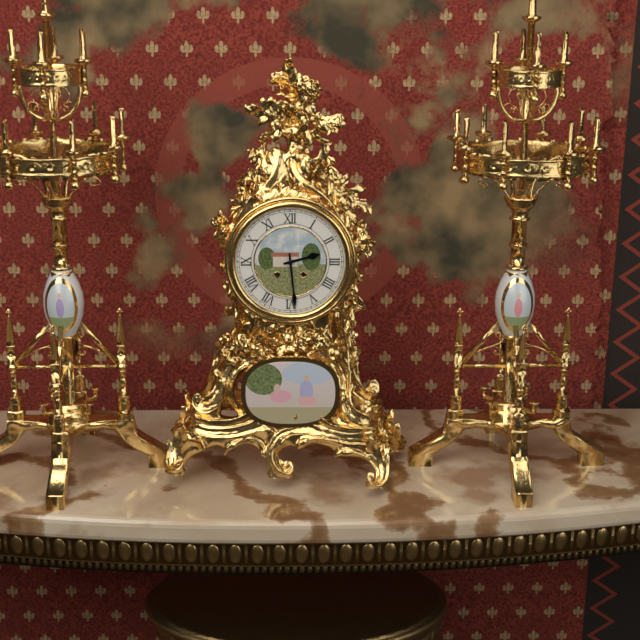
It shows {"hour": 2, "minute": 29}
